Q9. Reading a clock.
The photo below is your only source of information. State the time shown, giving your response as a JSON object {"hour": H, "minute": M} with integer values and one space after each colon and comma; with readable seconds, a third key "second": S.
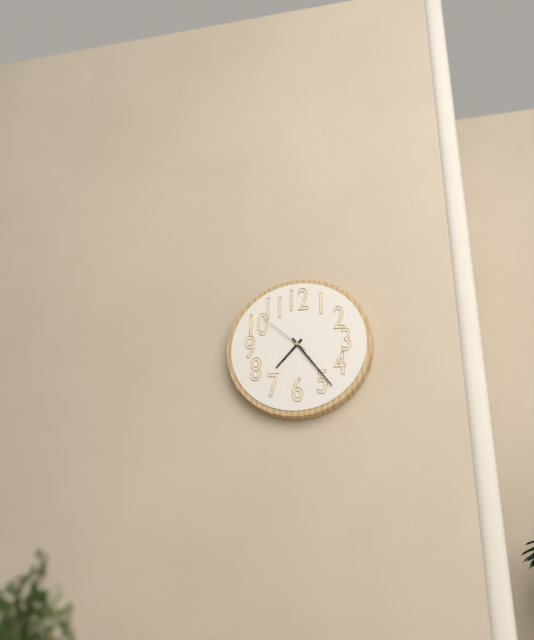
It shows {"hour": 7, "minute": 24, "second": 52}
